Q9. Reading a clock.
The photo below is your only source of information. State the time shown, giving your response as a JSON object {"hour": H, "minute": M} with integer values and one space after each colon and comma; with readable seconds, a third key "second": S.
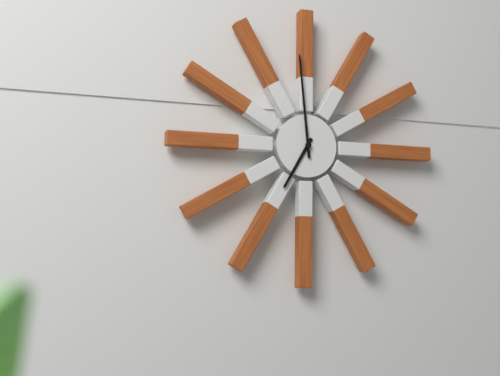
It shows {"hour": 6, "minute": 59}
